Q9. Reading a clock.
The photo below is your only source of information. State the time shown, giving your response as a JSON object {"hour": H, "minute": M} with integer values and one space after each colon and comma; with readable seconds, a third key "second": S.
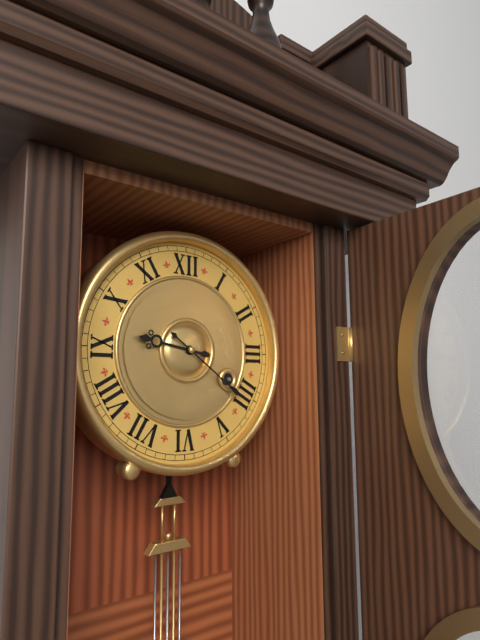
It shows {"hour": 9, "minute": 21}
